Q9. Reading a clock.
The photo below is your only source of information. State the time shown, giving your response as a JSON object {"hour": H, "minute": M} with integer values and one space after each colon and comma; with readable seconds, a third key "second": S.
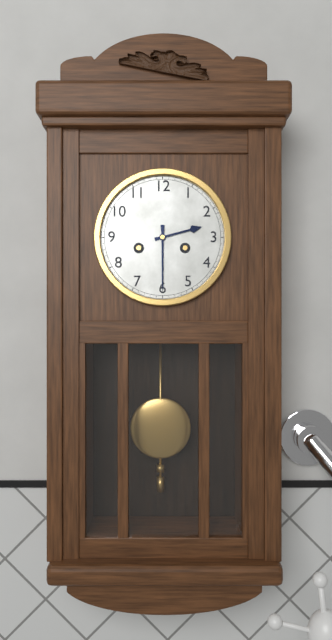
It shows {"hour": 2, "minute": 30}
